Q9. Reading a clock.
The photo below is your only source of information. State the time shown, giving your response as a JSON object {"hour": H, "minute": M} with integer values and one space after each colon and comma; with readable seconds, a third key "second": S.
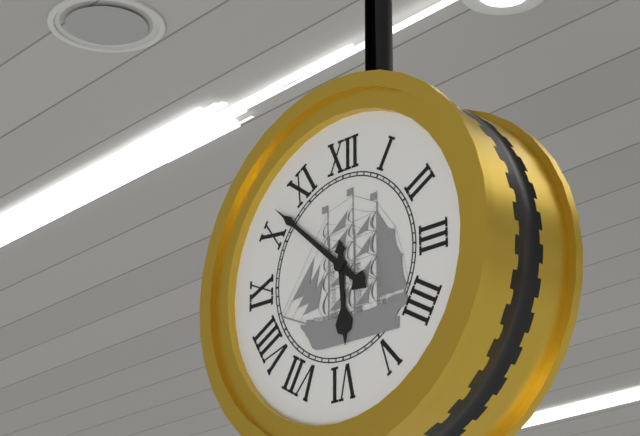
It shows {"hour": 5, "minute": 52}
